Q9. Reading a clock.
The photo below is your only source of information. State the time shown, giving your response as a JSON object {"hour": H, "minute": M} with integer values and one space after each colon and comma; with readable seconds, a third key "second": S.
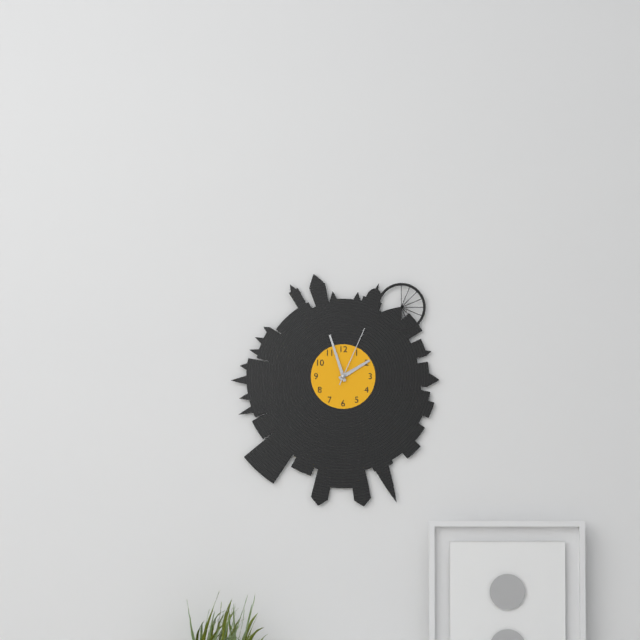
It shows {"hour": 1, "minute": 57, "second": 4}
